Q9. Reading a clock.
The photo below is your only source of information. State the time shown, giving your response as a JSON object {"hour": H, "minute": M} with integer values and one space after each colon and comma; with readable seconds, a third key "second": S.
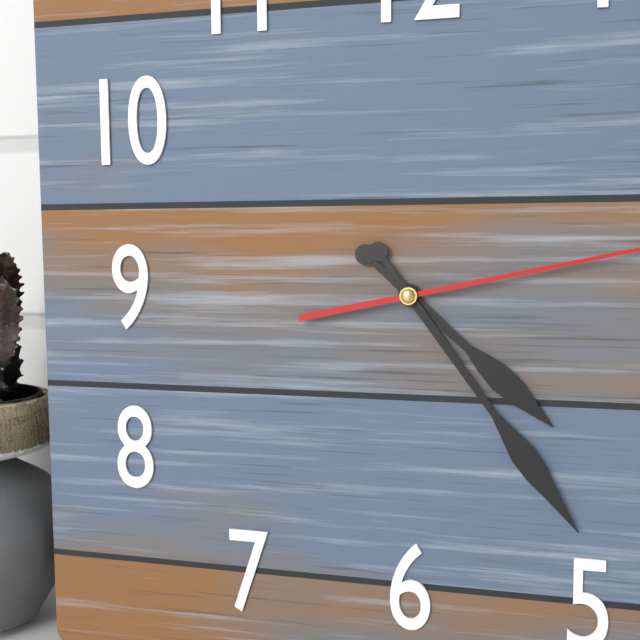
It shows {"hour": 4, "minute": 24}
